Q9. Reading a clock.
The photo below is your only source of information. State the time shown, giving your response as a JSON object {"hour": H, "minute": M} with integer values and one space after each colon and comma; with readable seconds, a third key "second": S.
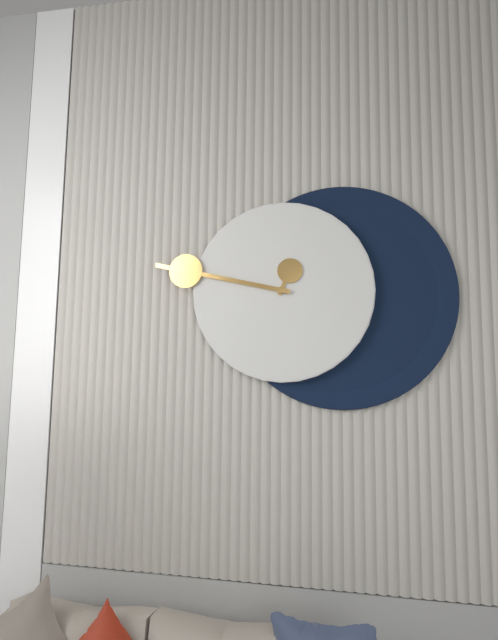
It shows {"hour": 12, "minute": 47}
